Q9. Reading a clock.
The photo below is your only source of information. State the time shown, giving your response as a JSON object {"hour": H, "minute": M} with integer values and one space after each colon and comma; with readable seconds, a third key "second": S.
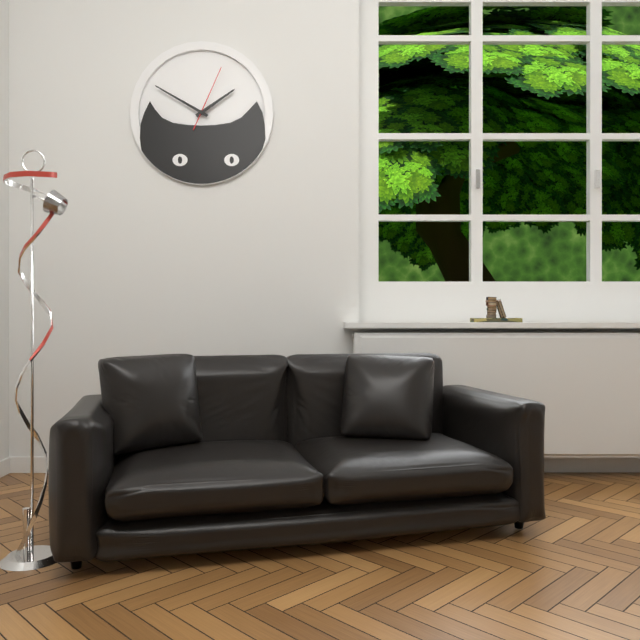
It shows {"hour": 1, "minute": 50, "second": 4}
